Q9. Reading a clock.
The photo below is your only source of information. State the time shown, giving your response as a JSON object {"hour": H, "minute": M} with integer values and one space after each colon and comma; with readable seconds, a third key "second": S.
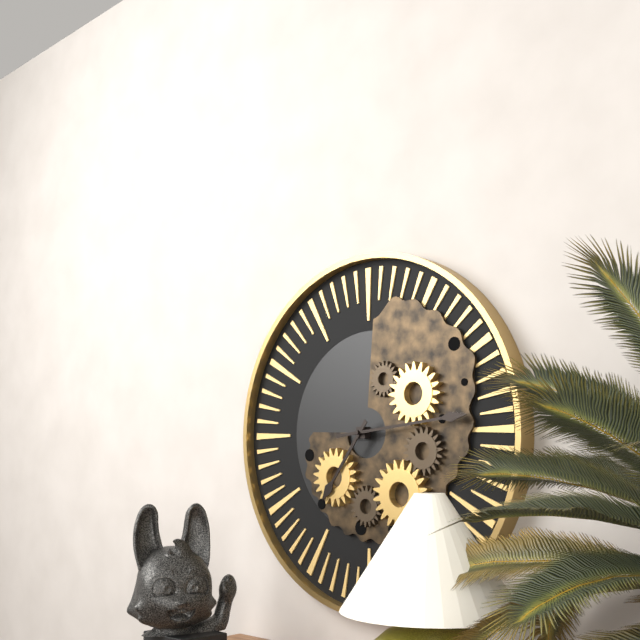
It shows {"hour": 7, "minute": 14}
